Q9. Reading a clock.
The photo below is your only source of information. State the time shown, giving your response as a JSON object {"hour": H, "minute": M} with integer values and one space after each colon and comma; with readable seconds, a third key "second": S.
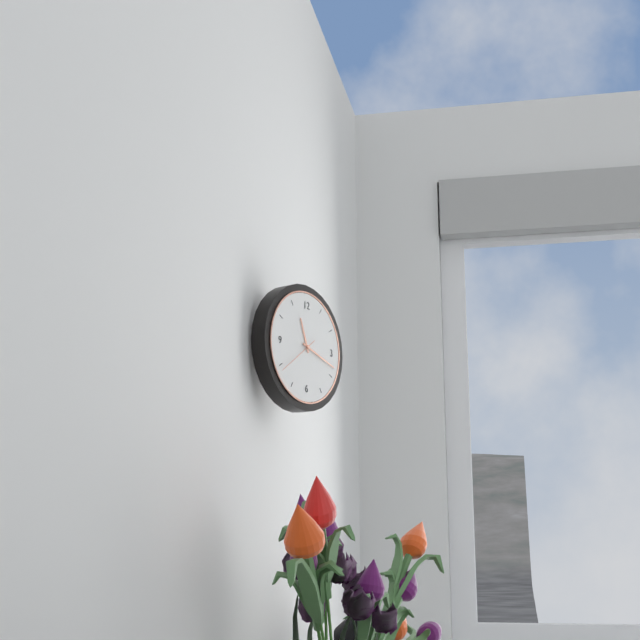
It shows {"hour": 11, "minute": 18}
